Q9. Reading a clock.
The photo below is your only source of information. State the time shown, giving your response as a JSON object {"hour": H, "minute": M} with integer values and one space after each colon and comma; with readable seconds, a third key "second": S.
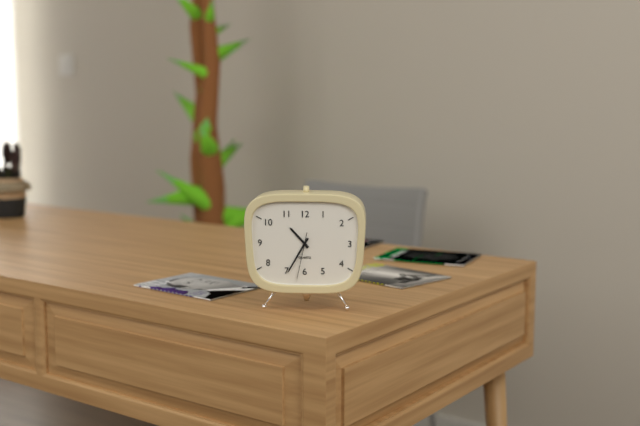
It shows {"hour": 10, "minute": 35}
